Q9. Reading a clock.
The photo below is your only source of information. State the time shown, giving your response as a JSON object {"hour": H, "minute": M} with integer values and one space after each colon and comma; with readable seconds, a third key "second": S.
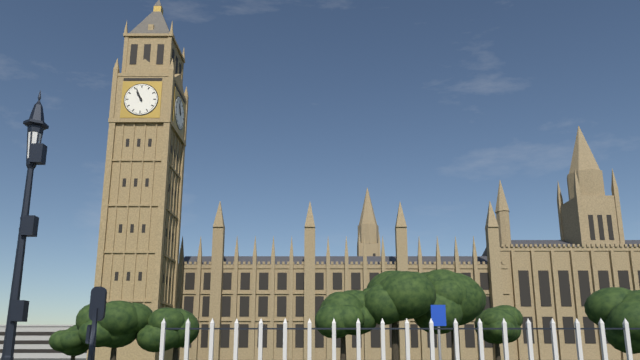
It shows {"hour": 10, "minute": 56}
